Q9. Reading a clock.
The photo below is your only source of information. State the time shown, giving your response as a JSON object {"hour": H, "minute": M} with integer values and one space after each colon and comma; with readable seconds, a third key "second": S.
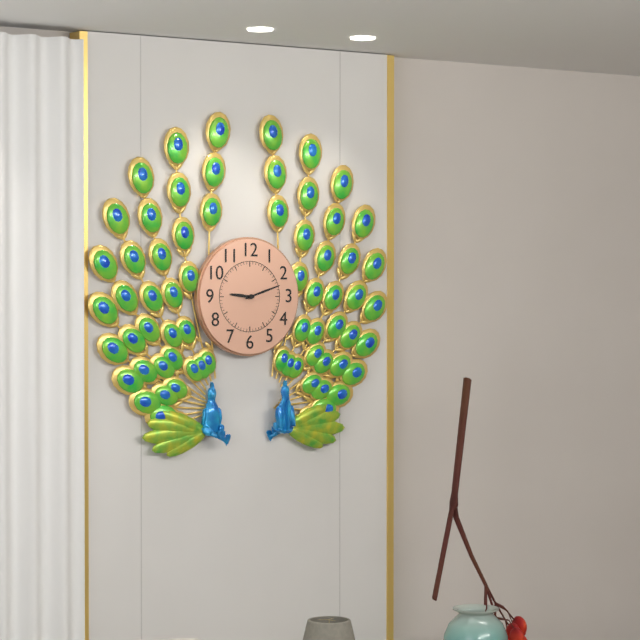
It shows {"hour": 9, "minute": 12}
